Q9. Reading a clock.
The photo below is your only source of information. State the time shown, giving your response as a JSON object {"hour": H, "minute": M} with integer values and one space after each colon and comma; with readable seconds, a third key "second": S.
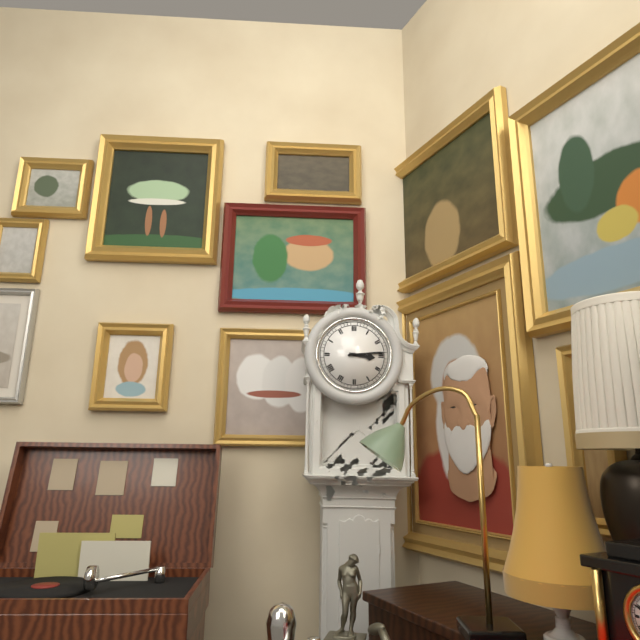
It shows {"hour": 3, "minute": 14}
